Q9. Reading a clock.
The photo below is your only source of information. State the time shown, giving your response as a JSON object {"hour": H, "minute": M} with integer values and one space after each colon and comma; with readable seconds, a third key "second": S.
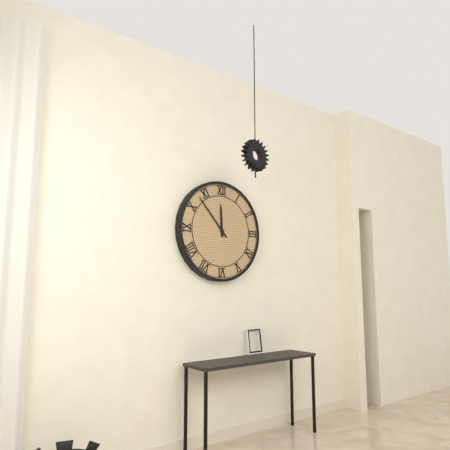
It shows {"hour": 11, "minute": 53}
